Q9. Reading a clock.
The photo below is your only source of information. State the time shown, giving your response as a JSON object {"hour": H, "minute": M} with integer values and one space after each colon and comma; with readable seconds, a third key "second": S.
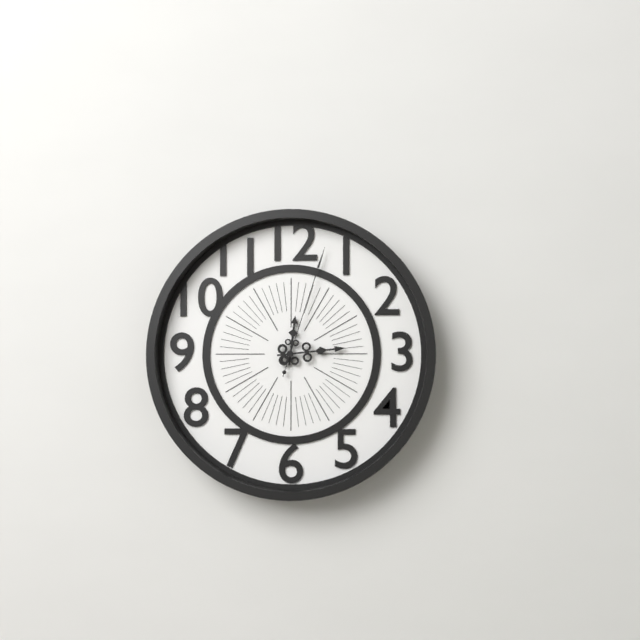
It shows {"hour": 12, "minute": 14, "second": 3}
